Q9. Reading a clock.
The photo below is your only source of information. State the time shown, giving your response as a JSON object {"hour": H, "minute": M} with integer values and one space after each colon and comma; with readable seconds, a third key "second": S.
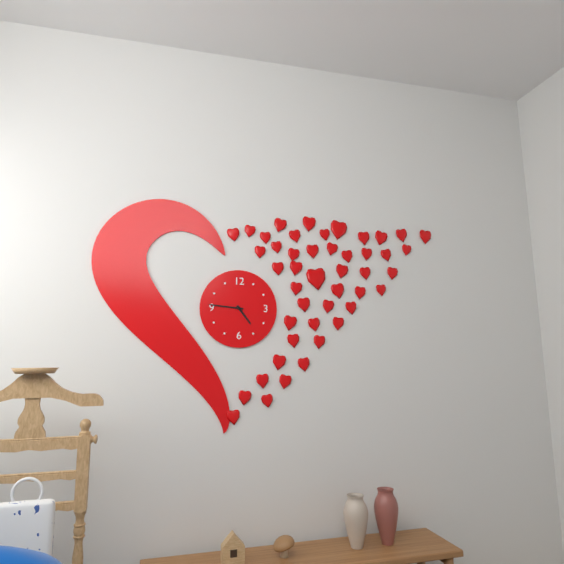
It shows {"hour": 4, "minute": 46}
